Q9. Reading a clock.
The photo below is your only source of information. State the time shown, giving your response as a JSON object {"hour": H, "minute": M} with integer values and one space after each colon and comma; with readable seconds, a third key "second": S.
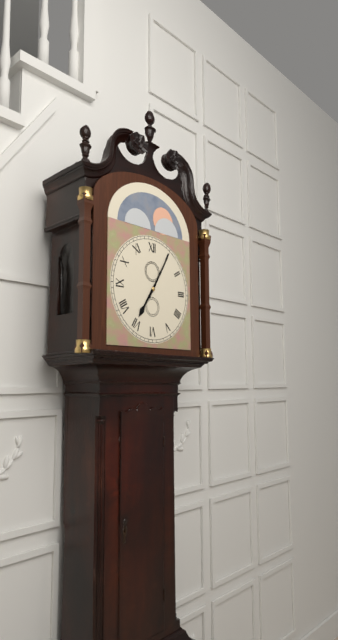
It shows {"hour": 7, "minute": 5}
